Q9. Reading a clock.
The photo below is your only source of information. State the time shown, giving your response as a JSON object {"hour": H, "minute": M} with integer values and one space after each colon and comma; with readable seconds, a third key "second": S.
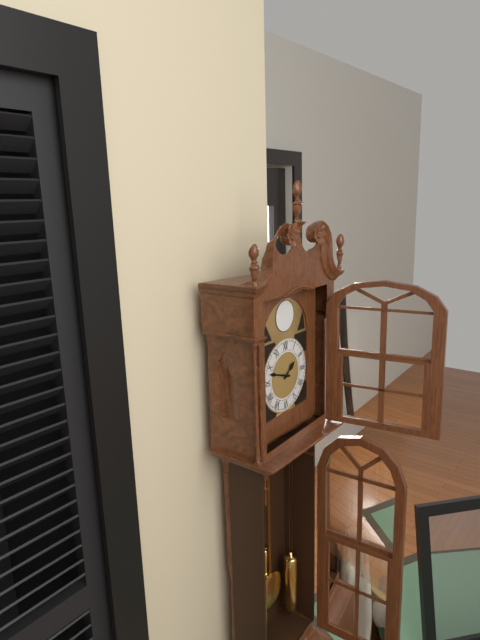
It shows {"hour": 1, "minute": 48}
